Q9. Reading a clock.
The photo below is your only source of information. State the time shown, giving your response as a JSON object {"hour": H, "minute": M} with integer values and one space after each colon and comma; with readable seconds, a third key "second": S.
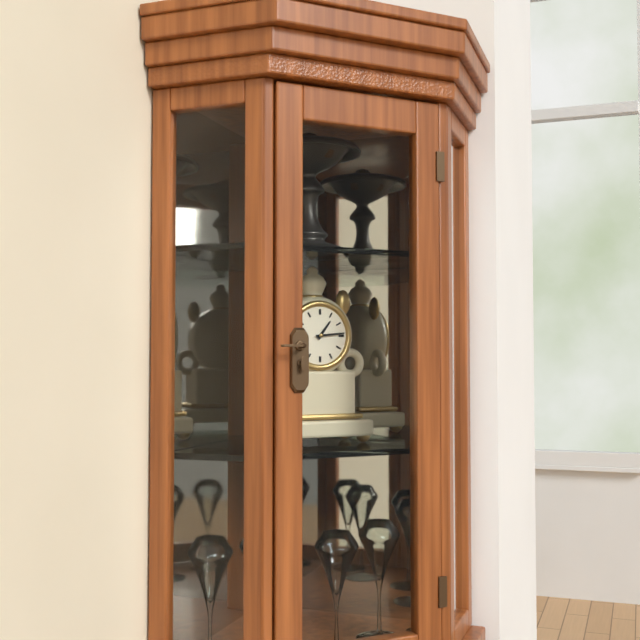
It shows {"hour": 1, "minute": 14}
